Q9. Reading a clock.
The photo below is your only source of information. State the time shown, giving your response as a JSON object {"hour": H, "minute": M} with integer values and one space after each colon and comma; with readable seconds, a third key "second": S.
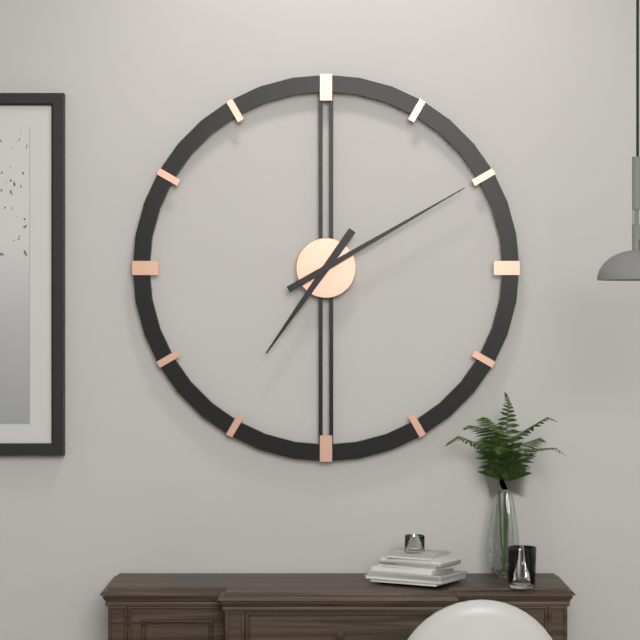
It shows {"hour": 7, "minute": 10}
